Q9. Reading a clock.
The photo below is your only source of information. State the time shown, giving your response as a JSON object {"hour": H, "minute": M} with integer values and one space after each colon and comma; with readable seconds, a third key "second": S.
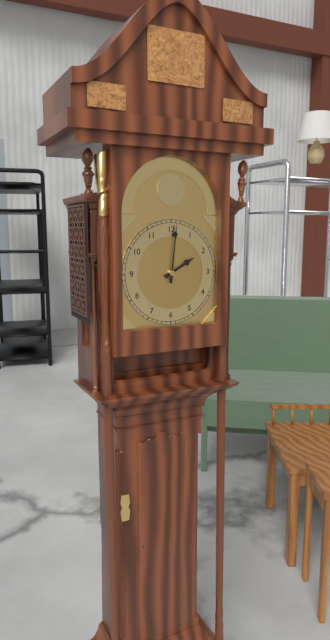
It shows {"hour": 2, "minute": 1}
